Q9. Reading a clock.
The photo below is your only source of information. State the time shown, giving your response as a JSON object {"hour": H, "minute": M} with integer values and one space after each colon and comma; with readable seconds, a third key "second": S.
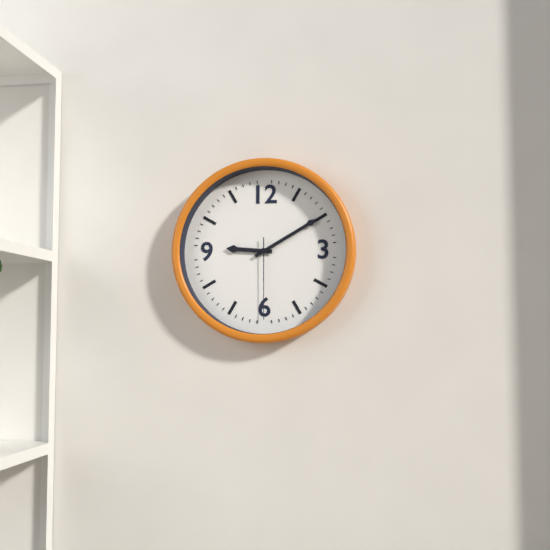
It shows {"hour": 9, "minute": 10, "second": 30}
